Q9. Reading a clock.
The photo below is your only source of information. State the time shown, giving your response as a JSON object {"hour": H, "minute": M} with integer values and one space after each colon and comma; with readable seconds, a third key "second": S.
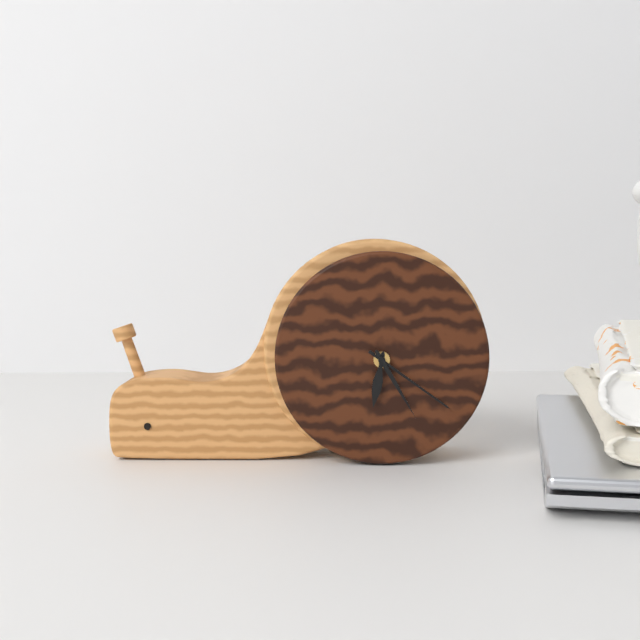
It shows {"hour": 6, "minute": 21, "second": 25}
